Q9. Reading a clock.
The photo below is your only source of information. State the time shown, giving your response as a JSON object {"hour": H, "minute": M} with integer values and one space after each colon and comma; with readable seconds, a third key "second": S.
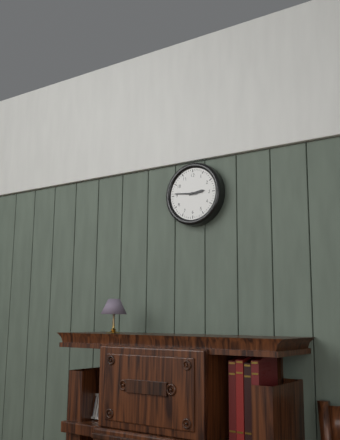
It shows {"hour": 2, "minute": 46}
